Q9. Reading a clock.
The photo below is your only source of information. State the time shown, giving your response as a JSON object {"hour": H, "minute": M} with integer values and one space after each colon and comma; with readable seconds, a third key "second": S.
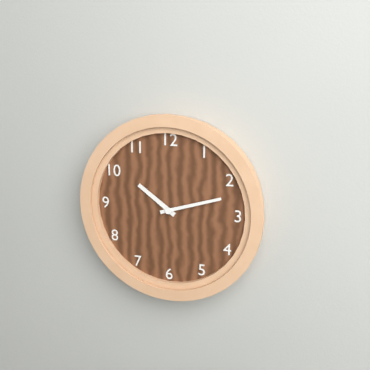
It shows {"hour": 10, "minute": 12}
